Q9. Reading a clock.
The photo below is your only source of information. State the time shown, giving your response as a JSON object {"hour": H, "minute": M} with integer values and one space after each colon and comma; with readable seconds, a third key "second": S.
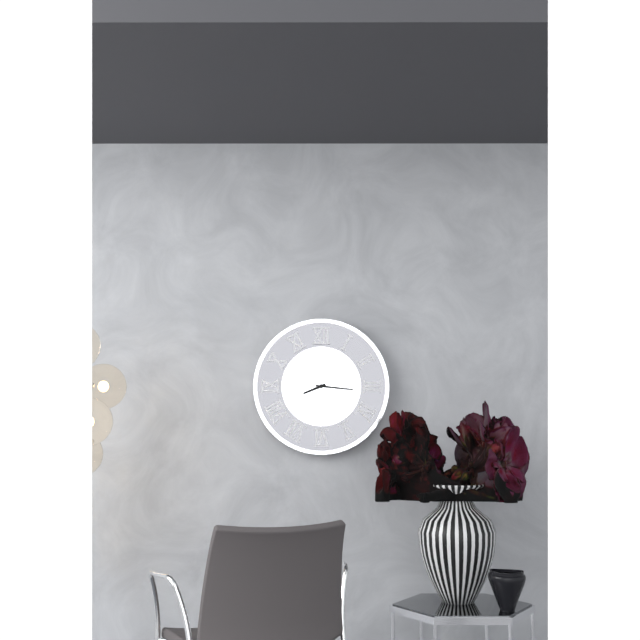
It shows {"hour": 8, "minute": 16}
